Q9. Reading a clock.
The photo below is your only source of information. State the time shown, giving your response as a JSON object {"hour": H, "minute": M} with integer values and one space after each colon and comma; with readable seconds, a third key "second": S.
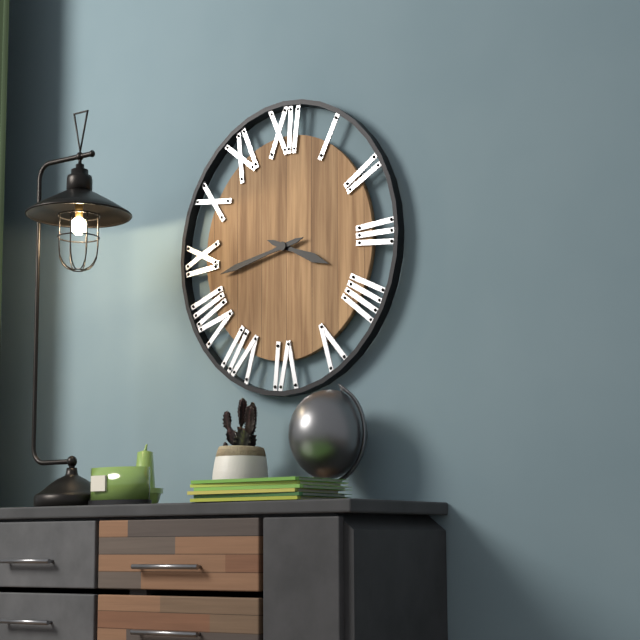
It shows {"hour": 3, "minute": 43}
